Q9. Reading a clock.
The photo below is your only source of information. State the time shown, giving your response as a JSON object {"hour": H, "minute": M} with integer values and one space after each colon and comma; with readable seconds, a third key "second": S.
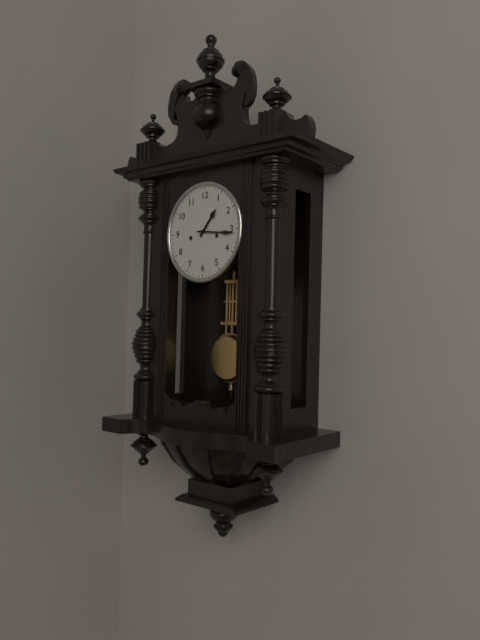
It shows {"hour": 1, "minute": 16}
